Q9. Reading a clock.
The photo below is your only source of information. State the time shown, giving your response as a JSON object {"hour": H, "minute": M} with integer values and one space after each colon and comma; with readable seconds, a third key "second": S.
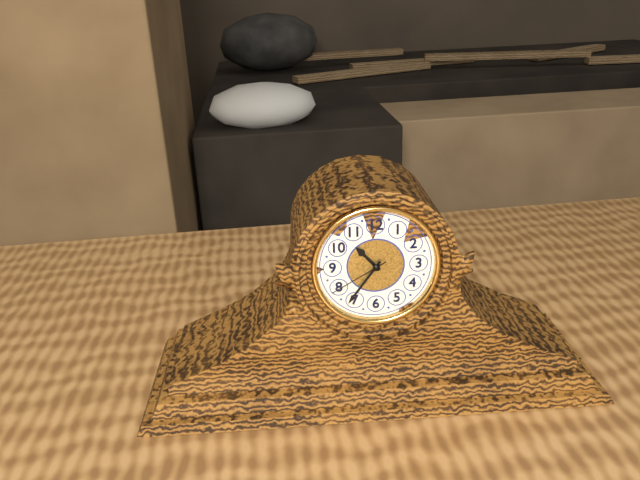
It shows {"hour": 10, "minute": 36, "second": 40}
